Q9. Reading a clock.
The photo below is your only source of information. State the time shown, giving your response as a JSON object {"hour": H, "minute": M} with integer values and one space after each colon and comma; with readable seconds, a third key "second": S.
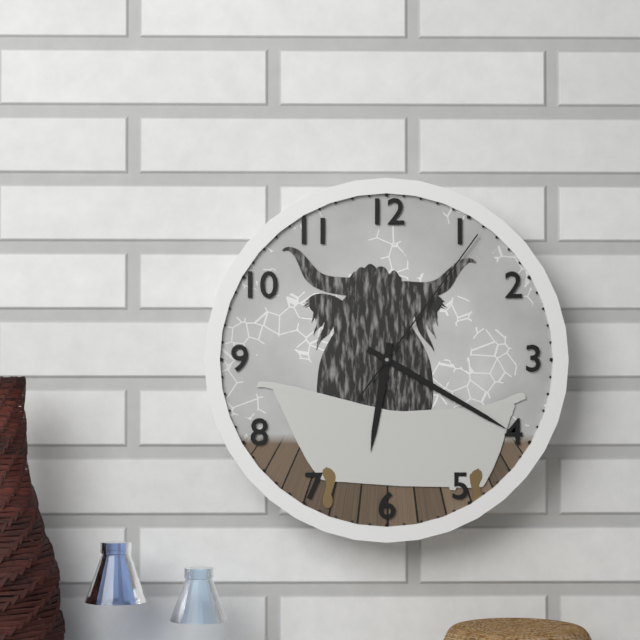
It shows {"hour": 6, "minute": 20, "second": 6}
